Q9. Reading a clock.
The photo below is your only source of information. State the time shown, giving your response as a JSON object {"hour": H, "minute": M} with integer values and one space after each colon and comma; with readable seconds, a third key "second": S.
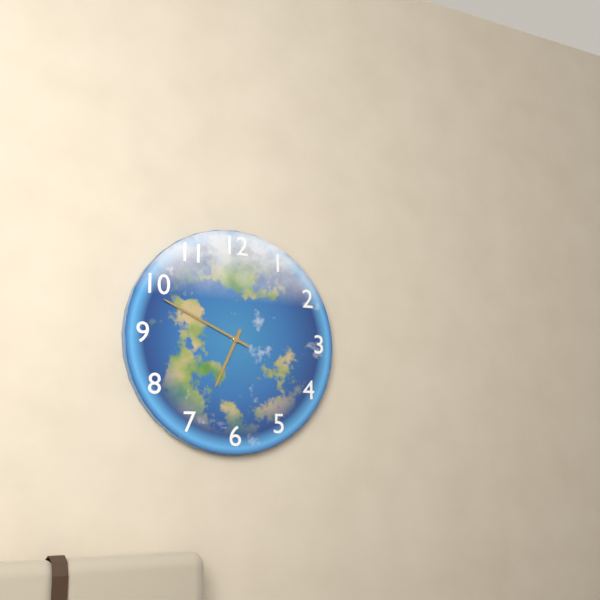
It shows {"hour": 6, "minute": 49}
